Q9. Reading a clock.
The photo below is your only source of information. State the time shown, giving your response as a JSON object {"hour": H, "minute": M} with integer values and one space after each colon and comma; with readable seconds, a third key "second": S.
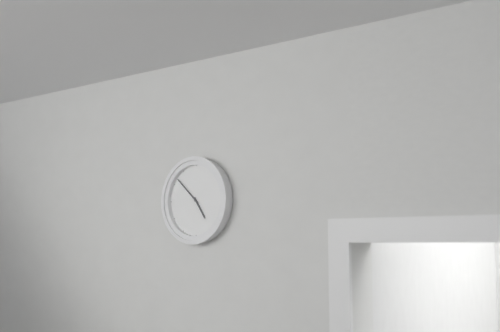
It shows {"hour": 4, "minute": 52}
